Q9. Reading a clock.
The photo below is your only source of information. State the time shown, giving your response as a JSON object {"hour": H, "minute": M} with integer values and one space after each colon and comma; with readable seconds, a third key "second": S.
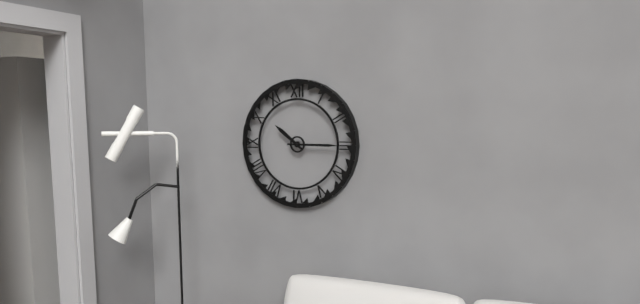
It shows {"hour": 10, "minute": 15}
